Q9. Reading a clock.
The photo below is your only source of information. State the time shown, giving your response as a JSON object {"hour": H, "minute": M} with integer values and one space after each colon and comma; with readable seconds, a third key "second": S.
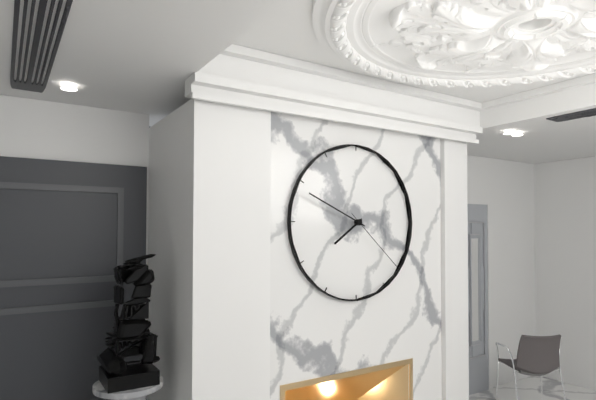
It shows {"hour": 7, "minute": 49, "second": 22}
